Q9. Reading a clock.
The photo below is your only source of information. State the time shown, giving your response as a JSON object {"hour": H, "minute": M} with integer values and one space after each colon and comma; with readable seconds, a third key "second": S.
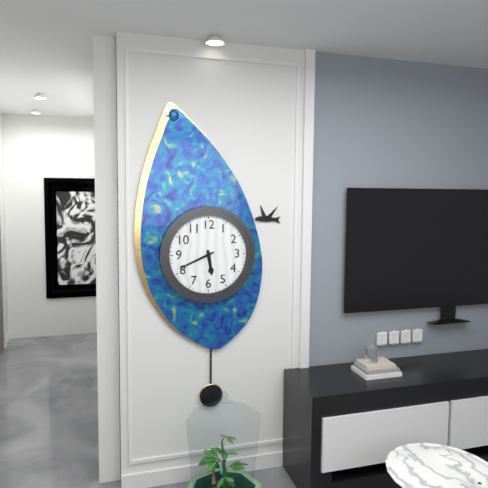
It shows {"hour": 5, "minute": 41}
